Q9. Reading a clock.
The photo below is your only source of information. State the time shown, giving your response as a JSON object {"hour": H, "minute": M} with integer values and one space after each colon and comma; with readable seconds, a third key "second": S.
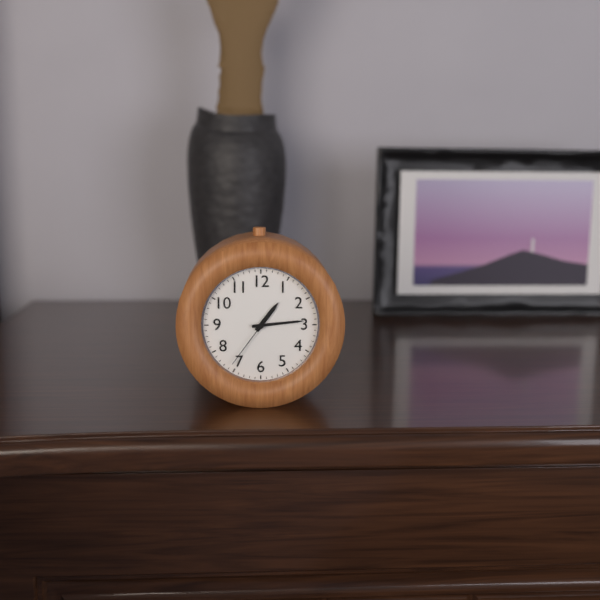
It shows {"hour": 1, "minute": 14, "second": 36}
